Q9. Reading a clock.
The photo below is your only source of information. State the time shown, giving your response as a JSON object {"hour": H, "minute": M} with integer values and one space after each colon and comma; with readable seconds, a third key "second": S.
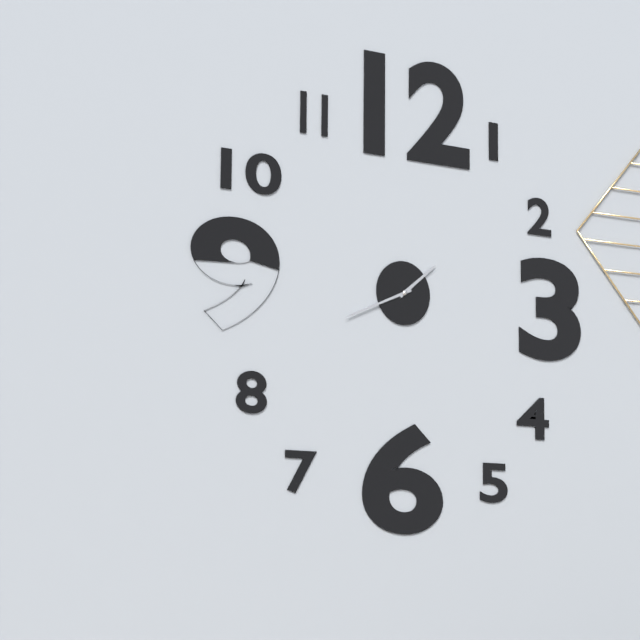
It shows {"hour": 1, "minute": 41}
